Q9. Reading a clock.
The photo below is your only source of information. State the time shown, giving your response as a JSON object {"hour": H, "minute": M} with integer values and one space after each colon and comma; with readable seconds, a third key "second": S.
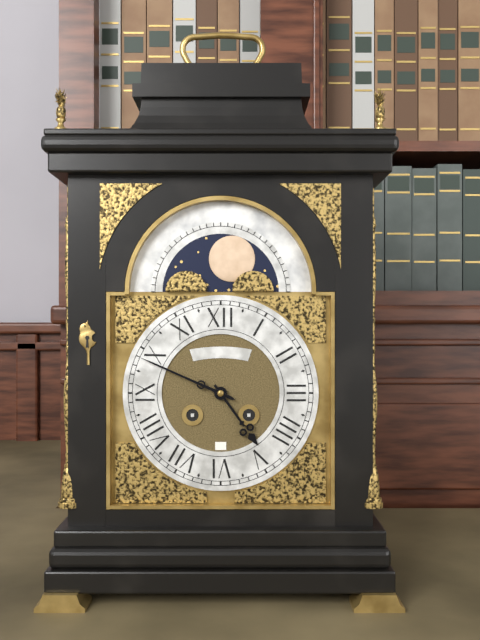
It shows {"hour": 4, "minute": 49}
